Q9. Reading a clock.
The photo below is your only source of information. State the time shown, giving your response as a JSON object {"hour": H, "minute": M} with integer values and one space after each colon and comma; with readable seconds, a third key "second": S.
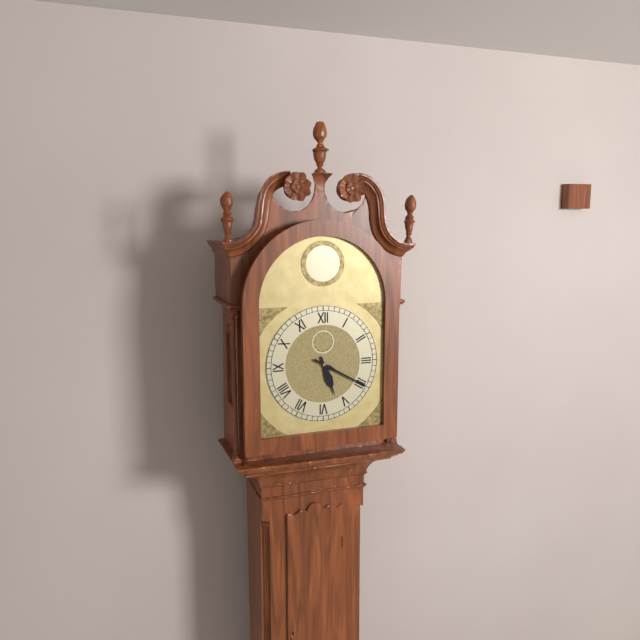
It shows {"hour": 5, "minute": 20}
